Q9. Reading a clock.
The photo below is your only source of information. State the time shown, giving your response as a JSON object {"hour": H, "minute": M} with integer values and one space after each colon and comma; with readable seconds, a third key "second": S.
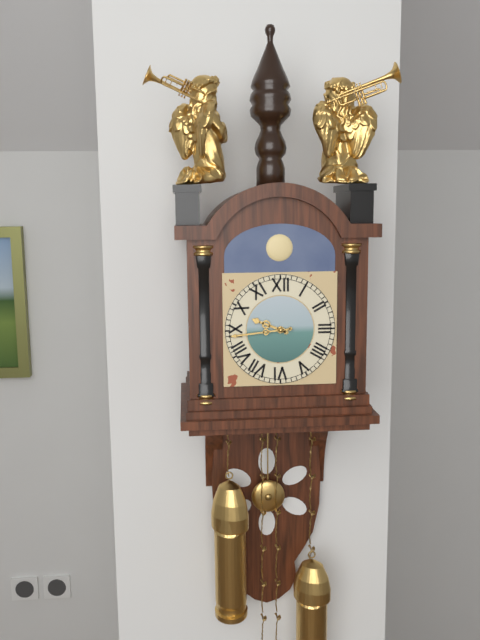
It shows {"hour": 9, "minute": 44}
